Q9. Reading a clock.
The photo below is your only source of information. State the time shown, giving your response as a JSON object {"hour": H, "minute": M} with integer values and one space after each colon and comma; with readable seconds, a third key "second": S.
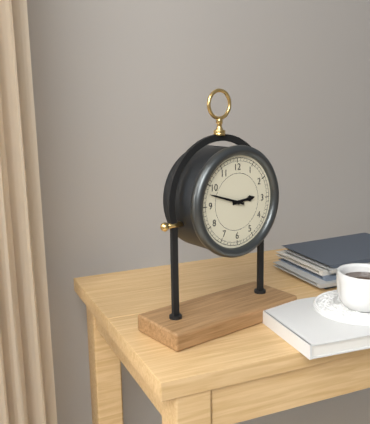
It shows {"hour": 2, "minute": 48}
